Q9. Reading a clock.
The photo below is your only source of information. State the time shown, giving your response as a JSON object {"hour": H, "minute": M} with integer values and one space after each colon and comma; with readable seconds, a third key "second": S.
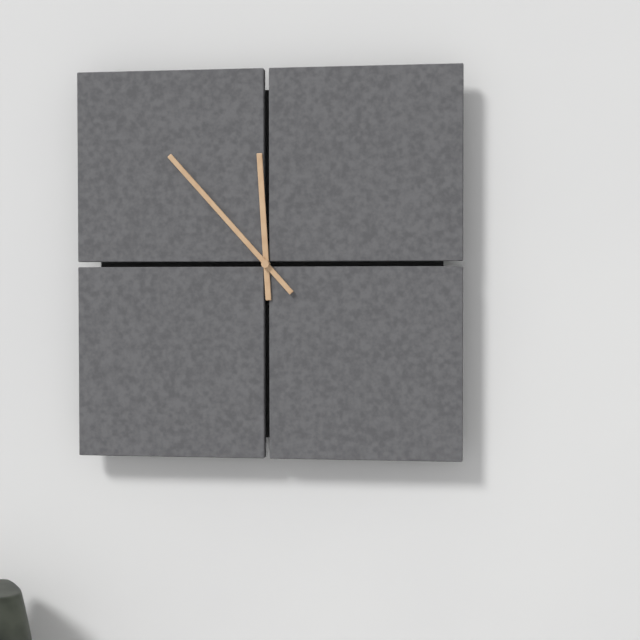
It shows {"hour": 11, "minute": 53}
